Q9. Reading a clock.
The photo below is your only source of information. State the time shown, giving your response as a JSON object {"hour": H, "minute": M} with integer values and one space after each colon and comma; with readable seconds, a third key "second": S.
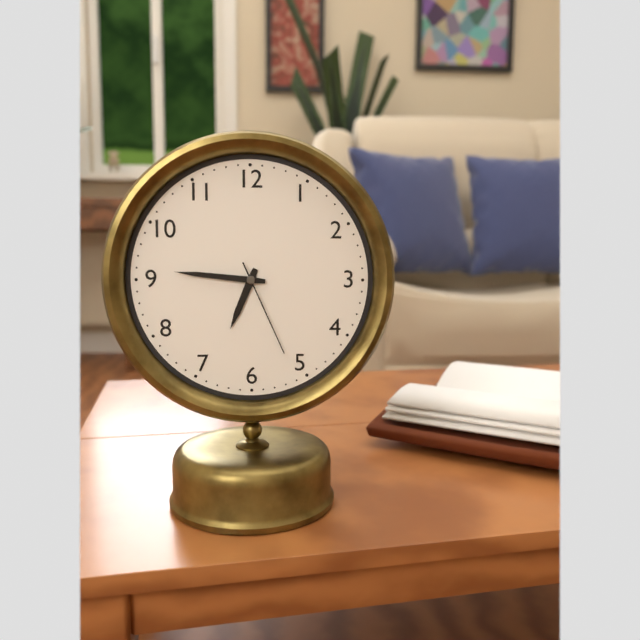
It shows {"hour": 6, "minute": 46, "second": 26}
